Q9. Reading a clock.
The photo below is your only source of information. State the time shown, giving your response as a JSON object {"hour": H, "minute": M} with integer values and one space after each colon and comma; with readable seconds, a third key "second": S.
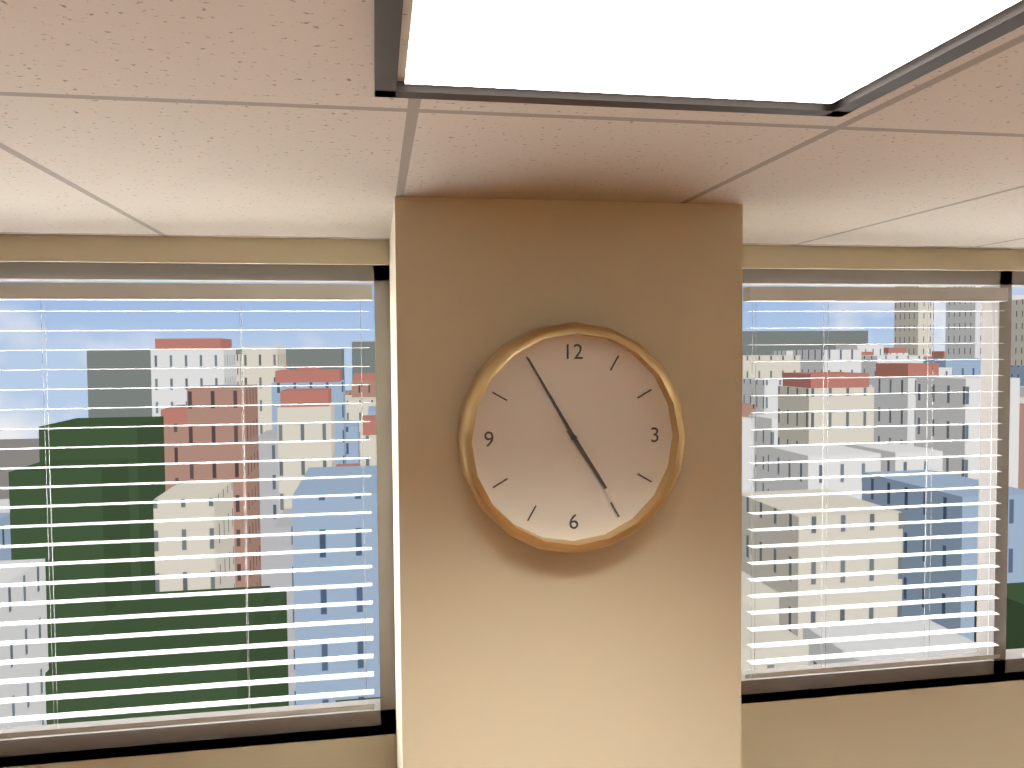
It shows {"hour": 4, "minute": 55}
